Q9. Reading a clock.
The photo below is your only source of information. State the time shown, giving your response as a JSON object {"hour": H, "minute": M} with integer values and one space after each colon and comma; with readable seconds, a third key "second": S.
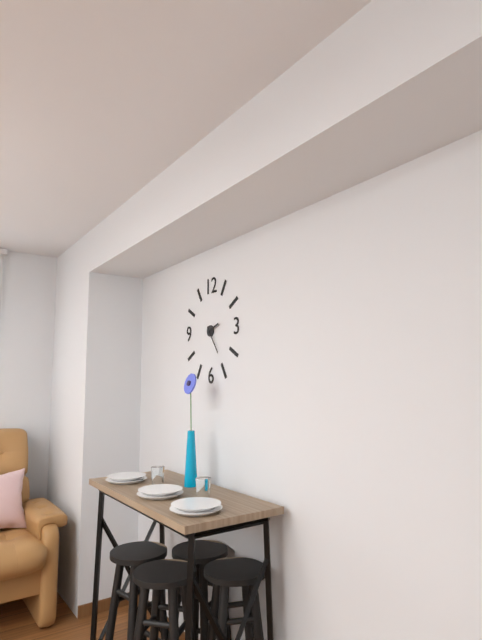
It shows {"hour": 2, "minute": 24}
